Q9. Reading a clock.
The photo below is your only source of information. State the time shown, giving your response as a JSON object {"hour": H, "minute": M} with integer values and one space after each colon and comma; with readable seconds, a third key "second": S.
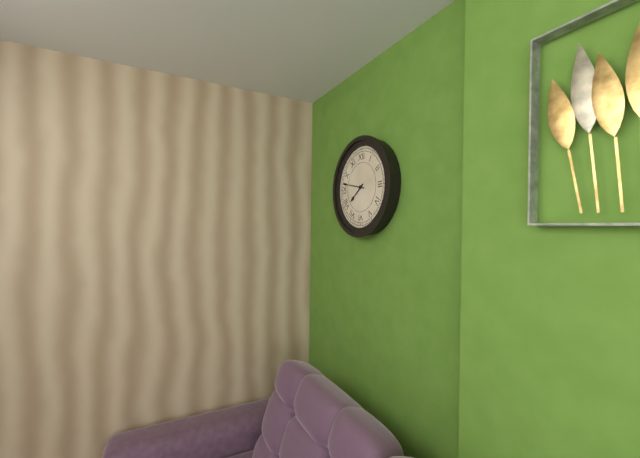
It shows {"hour": 7, "minute": 47}
